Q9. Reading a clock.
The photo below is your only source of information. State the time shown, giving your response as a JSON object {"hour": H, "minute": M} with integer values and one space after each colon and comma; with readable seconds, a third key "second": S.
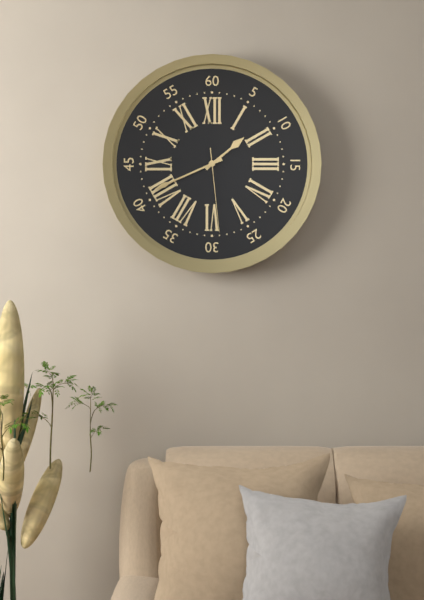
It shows {"hour": 1, "minute": 41, "second": 29}
